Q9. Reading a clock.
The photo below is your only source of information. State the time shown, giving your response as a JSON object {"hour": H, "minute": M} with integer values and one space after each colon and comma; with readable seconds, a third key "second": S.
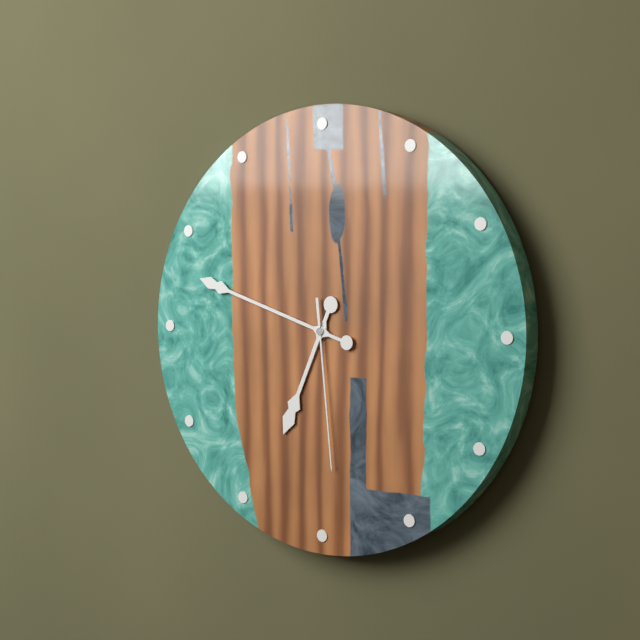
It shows {"hour": 6, "minute": 48, "second": 29}
